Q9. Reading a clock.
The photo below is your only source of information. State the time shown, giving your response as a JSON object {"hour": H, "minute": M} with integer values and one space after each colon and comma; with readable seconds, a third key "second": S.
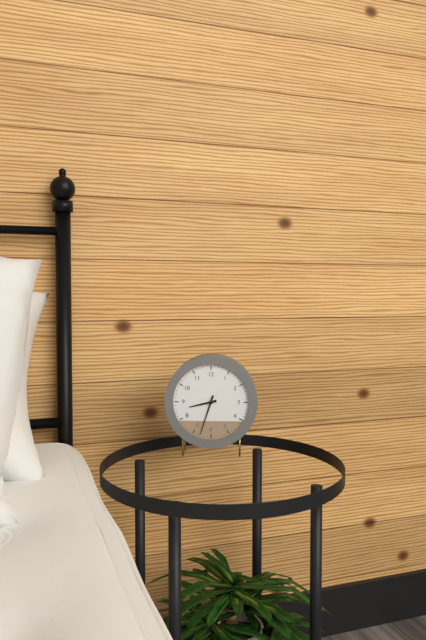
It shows {"hour": 8, "minute": 33}
